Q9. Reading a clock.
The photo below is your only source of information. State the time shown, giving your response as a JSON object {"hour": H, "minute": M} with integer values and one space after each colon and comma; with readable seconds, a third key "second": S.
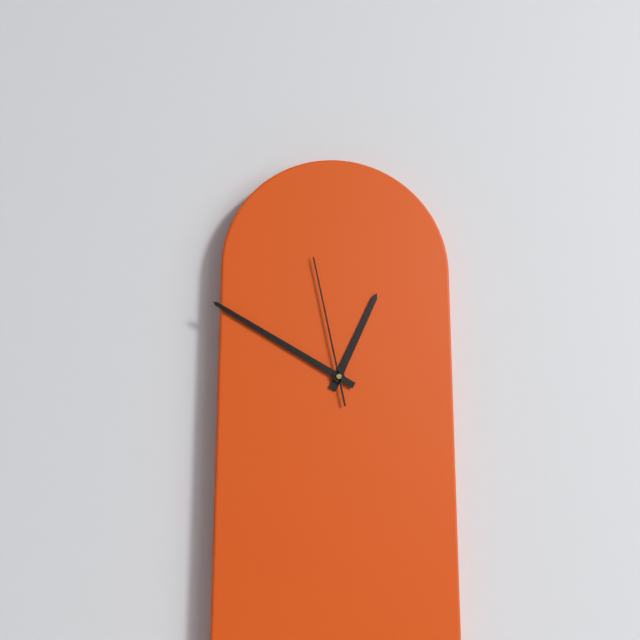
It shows {"hour": 12, "minute": 50, "second": 58}
